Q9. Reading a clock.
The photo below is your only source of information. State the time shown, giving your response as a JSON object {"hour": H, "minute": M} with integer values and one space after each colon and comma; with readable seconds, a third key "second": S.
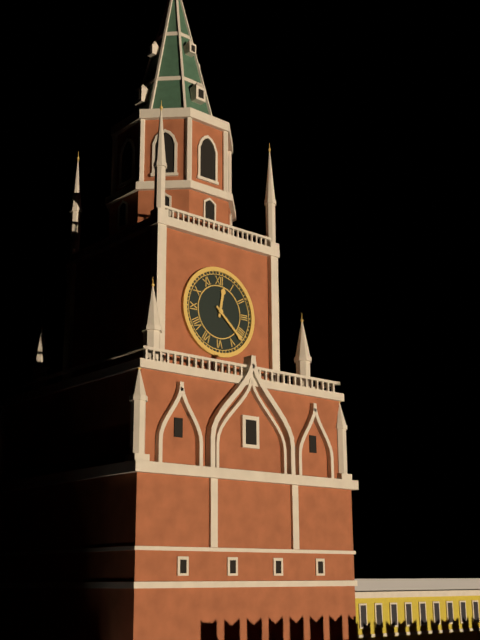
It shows {"hour": 12, "minute": 22}
